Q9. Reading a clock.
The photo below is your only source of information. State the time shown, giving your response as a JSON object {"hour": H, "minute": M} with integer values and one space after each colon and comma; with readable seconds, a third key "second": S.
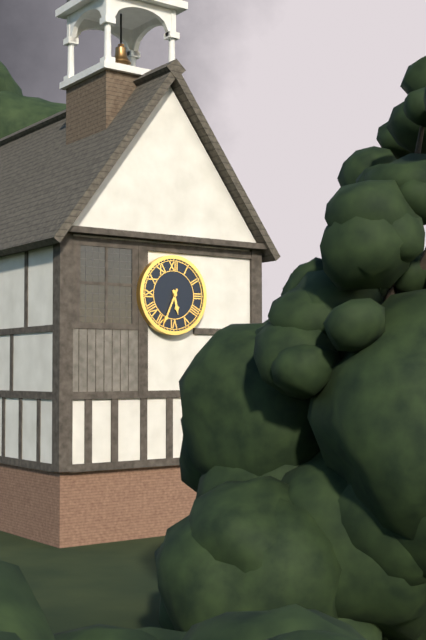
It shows {"hour": 5, "minute": 34}
